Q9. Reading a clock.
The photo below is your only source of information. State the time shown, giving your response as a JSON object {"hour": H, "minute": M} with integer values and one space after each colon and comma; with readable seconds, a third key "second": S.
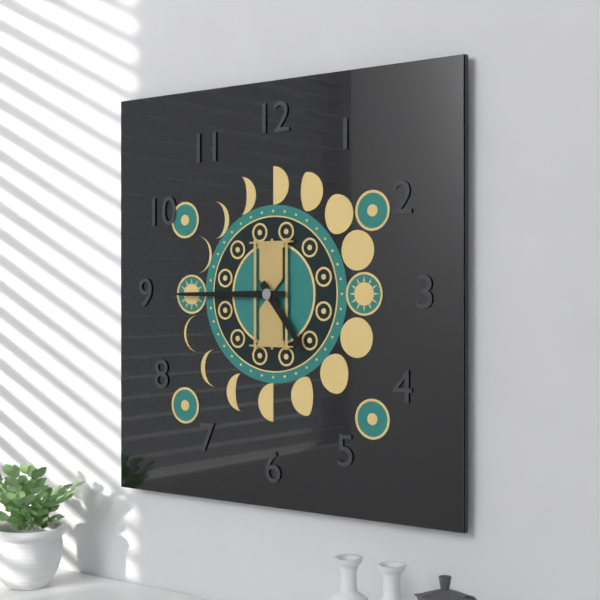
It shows {"hour": 4, "minute": 45}
